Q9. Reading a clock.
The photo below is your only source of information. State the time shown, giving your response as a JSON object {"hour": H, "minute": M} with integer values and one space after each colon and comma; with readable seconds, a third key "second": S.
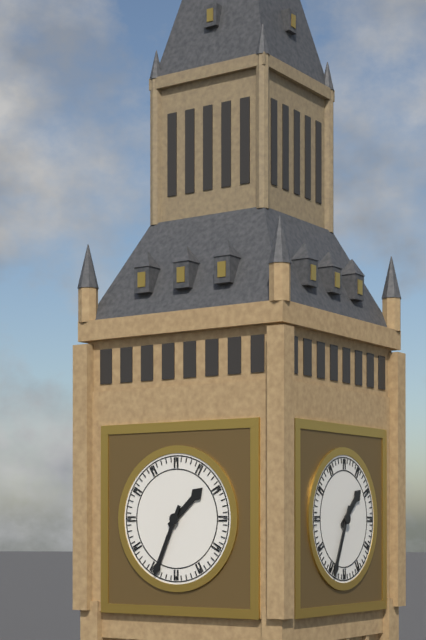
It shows {"hour": 1, "minute": 34}
